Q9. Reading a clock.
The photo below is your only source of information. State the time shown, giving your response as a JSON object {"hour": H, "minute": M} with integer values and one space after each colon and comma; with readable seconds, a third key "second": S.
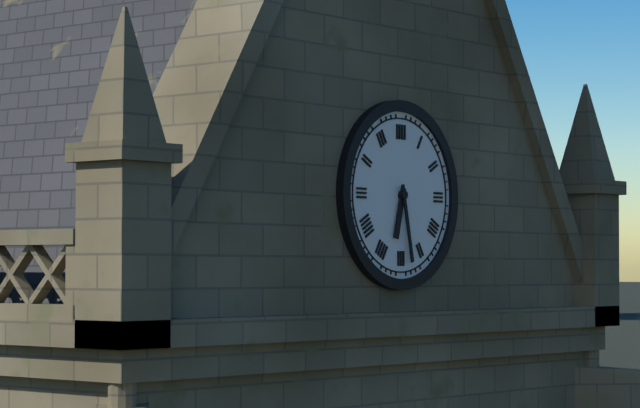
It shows {"hour": 6, "minute": 28}
